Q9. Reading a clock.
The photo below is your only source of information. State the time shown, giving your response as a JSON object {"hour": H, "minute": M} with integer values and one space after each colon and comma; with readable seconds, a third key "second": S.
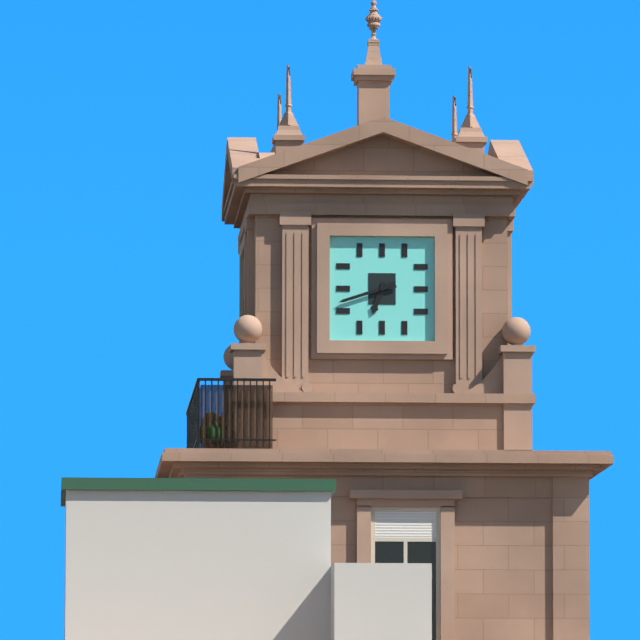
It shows {"hour": 6, "minute": 42}
